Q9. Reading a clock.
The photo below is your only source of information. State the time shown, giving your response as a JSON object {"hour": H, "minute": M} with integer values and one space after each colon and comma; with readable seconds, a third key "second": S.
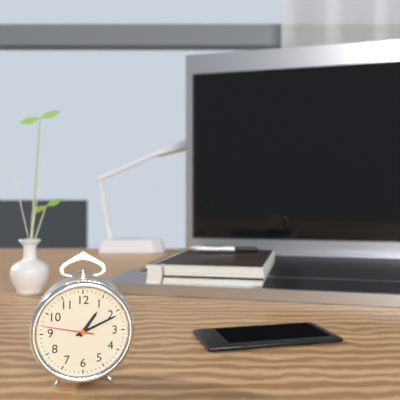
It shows {"hour": 1, "minute": 11, "second": 47}
